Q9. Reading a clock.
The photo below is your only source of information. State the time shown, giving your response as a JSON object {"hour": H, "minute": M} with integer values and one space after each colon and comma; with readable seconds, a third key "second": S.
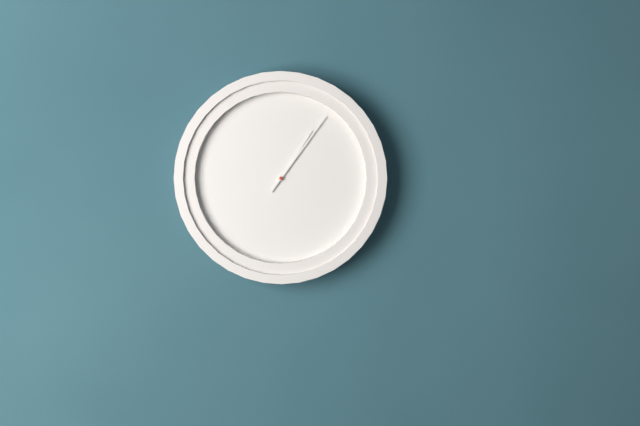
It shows {"hour": 1, "minute": 6}
